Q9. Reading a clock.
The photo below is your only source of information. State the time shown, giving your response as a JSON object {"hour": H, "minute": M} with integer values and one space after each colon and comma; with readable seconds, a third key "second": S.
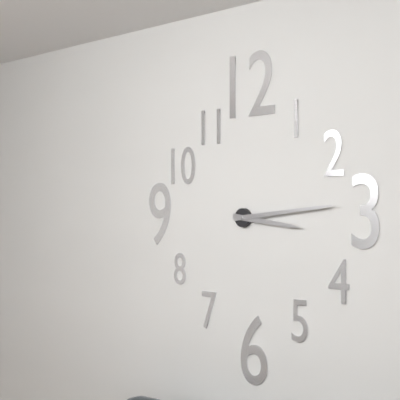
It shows {"hour": 3, "minute": 14}
